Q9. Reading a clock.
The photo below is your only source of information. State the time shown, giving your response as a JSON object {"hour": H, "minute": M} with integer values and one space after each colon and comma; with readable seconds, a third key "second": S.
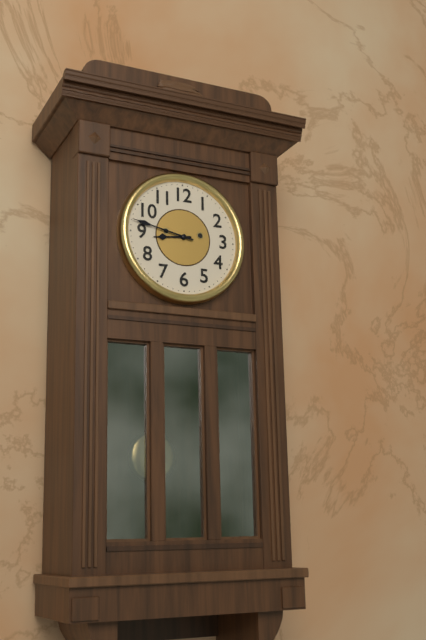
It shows {"hour": 8, "minute": 47}
